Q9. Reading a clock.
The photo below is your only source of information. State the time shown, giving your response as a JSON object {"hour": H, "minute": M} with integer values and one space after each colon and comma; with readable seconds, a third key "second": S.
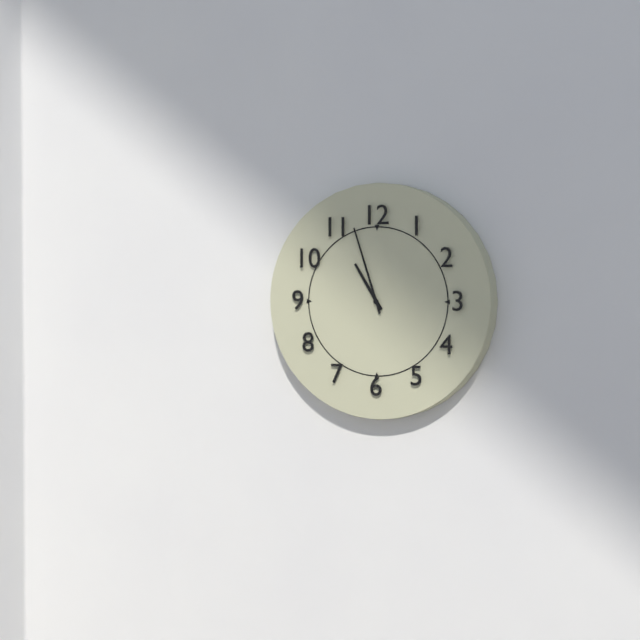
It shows {"hour": 10, "minute": 57}
